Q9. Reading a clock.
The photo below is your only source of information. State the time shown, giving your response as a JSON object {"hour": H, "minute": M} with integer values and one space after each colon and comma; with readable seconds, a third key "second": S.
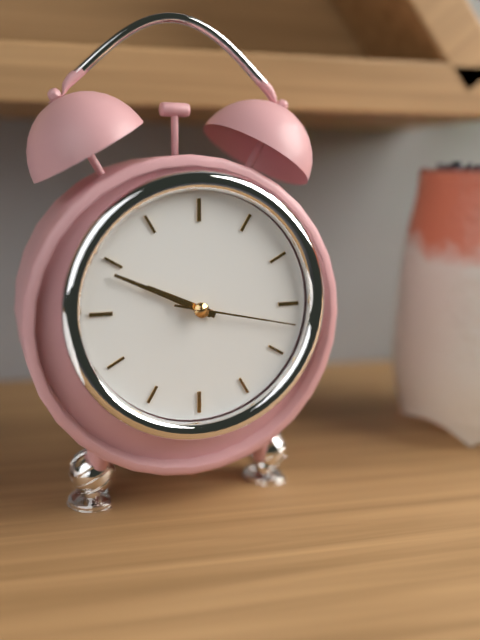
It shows {"hour": 9, "minute": 49, "second": 17}
